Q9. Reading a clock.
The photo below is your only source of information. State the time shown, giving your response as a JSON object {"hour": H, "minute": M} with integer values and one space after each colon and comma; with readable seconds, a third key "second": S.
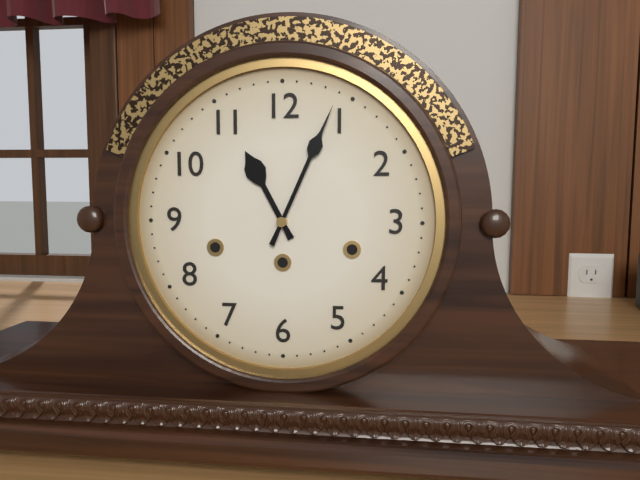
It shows {"hour": 11, "minute": 4}
